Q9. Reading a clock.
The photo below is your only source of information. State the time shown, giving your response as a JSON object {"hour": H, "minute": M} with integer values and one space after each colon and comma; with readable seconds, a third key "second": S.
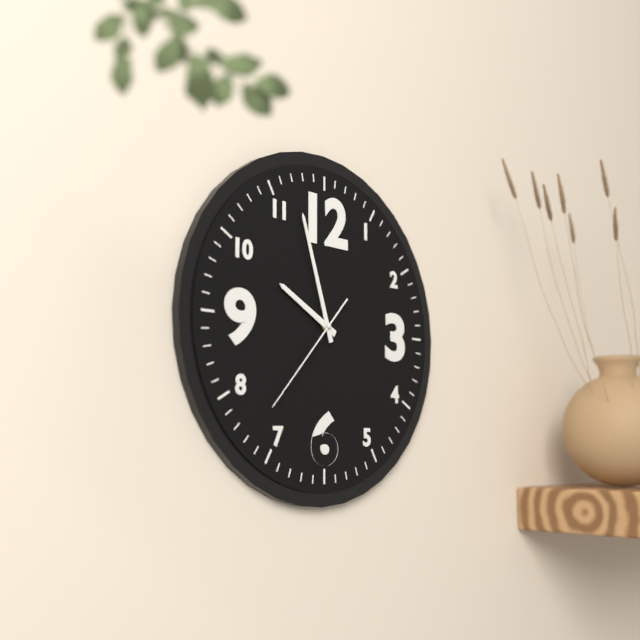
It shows {"hour": 9, "minute": 57, "second": 37}
